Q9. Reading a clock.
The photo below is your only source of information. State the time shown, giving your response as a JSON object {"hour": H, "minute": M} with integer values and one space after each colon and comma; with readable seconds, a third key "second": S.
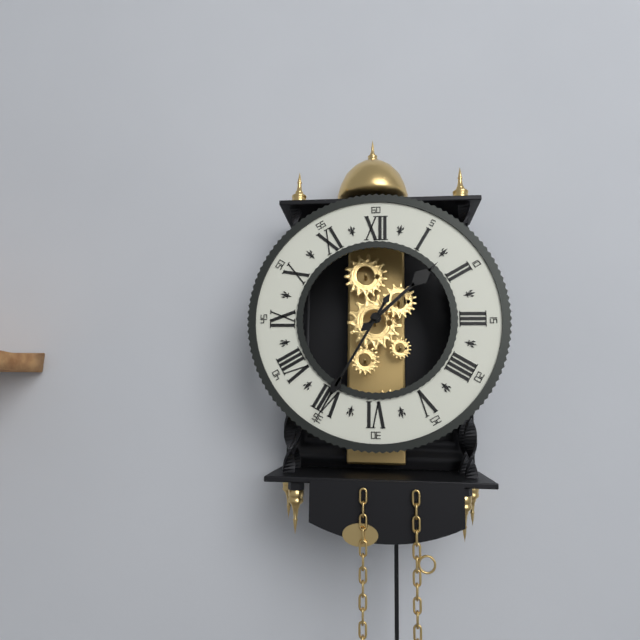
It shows {"hour": 1, "minute": 35}
